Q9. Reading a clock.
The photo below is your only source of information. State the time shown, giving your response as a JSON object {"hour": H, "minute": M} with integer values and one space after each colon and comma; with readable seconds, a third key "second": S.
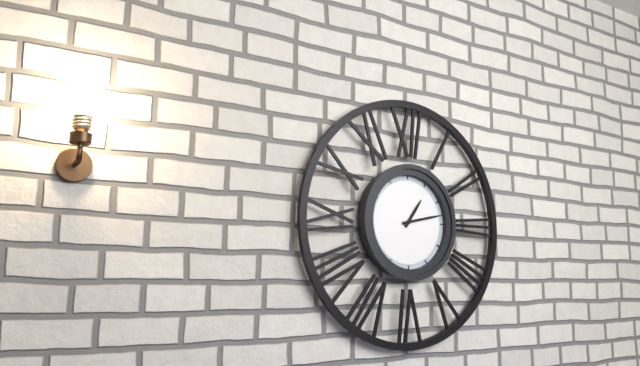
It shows {"hour": 1, "minute": 13}
